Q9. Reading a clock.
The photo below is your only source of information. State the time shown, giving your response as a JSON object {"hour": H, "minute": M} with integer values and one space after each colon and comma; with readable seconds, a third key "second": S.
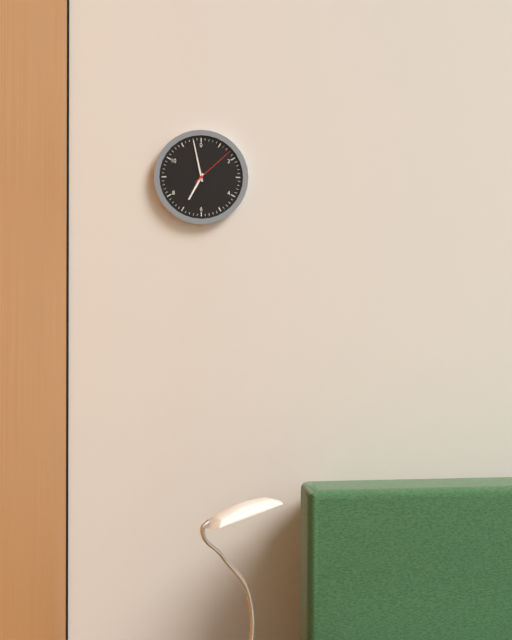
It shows {"hour": 6, "minute": 58}
